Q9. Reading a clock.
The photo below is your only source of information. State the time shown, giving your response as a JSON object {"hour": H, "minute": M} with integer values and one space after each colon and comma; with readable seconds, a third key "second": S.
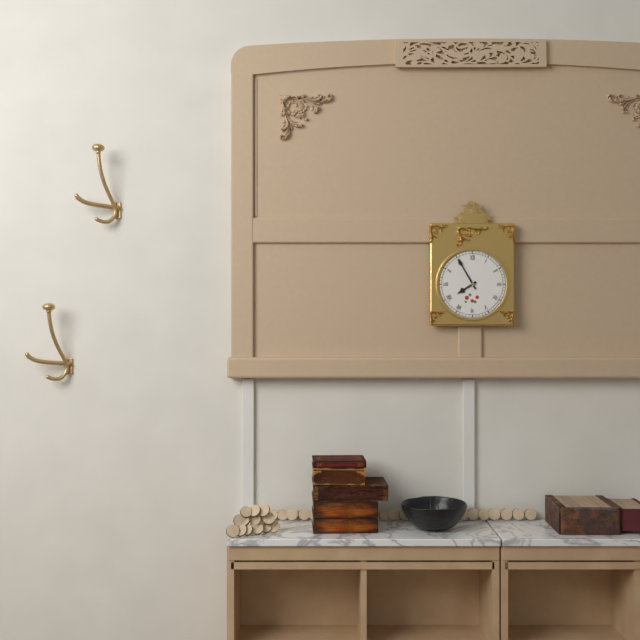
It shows {"hour": 7, "minute": 55}
